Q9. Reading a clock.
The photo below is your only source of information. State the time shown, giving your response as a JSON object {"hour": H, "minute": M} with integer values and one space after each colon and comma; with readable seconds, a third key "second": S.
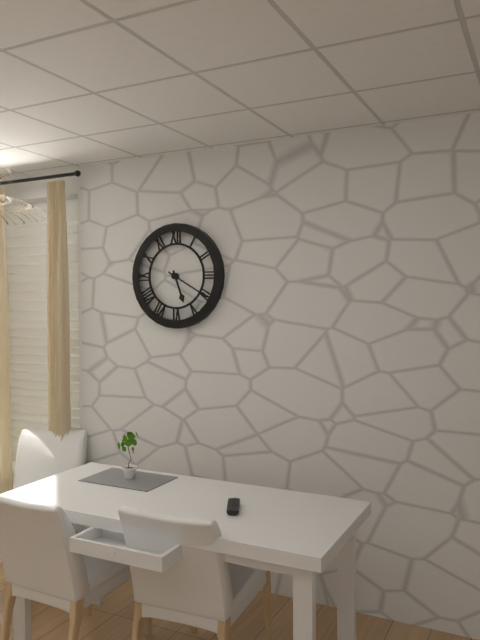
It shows {"hour": 5, "minute": 20}
